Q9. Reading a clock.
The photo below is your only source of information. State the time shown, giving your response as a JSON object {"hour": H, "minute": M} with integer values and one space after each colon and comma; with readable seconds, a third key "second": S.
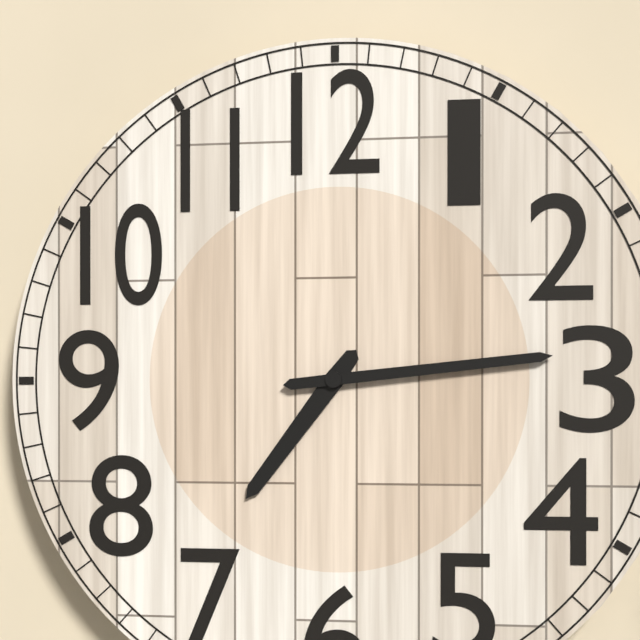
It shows {"hour": 7, "minute": 14}
